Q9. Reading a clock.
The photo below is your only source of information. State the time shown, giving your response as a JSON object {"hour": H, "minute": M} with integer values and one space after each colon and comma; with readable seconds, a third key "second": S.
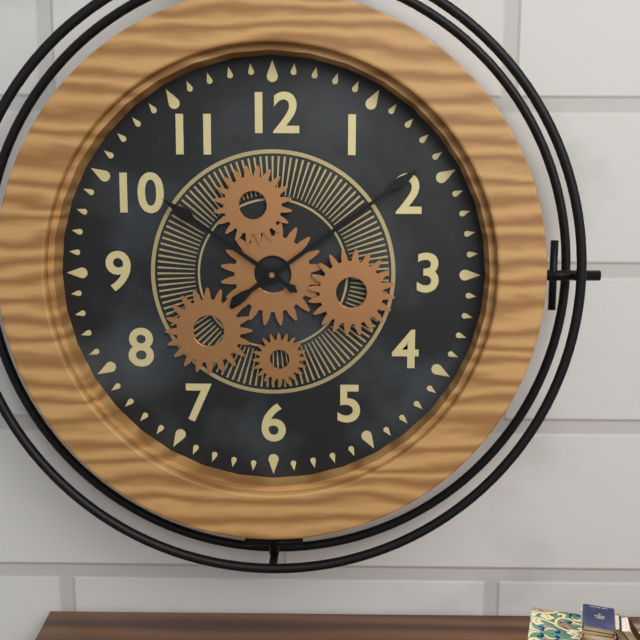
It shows {"hour": 10, "minute": 9}
